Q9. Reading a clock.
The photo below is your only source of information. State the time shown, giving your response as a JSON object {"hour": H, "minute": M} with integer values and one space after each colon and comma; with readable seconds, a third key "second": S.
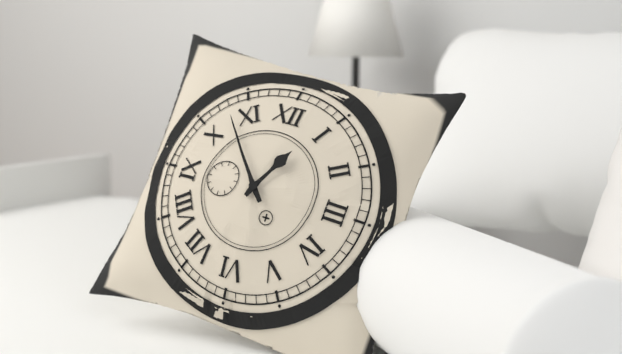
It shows {"hour": 12, "minute": 53}
